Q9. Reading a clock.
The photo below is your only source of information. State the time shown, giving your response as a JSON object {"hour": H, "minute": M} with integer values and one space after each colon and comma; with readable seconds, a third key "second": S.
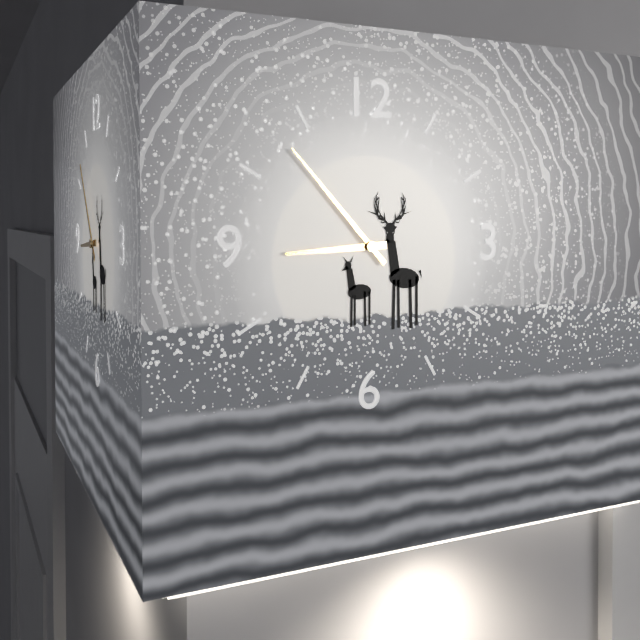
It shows {"hour": 8, "minute": 53}
